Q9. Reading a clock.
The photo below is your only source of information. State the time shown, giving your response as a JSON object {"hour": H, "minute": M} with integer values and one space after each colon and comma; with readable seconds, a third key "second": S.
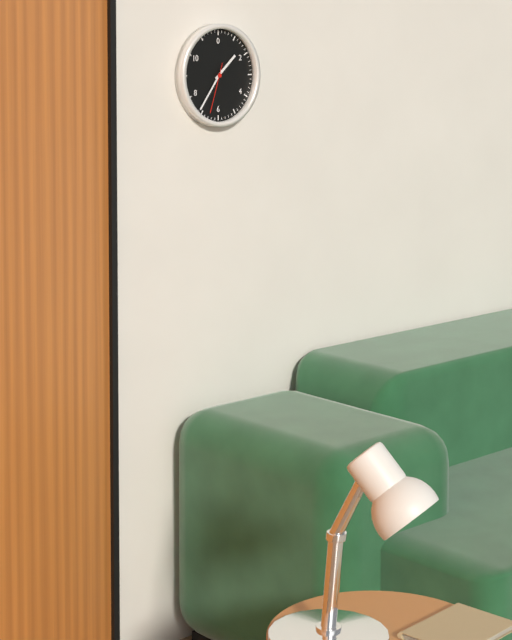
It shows {"hour": 1, "minute": 36}
